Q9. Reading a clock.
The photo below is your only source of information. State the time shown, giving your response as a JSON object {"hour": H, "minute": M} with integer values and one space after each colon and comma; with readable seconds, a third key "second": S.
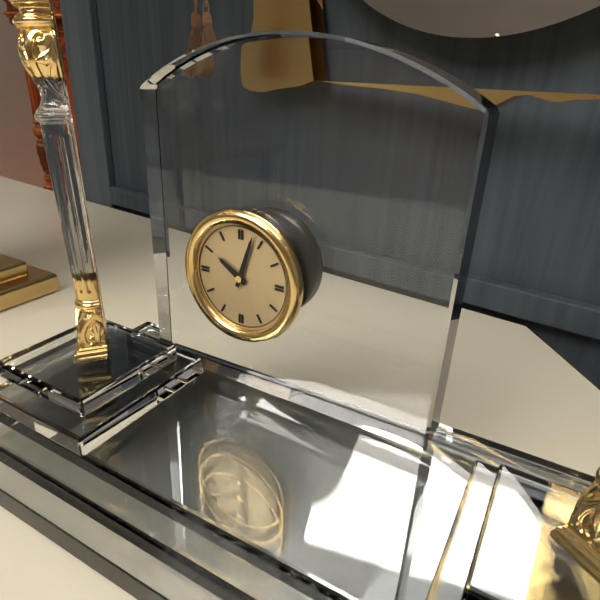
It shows {"hour": 10, "minute": 3}
